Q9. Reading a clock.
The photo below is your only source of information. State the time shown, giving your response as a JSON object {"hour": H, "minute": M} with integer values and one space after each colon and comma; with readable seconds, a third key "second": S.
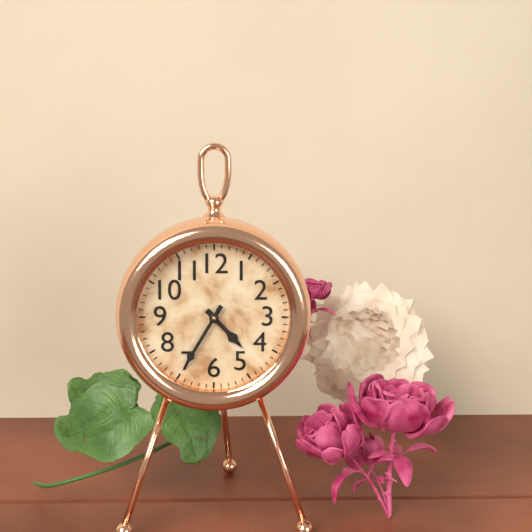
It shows {"hour": 4, "minute": 35}
